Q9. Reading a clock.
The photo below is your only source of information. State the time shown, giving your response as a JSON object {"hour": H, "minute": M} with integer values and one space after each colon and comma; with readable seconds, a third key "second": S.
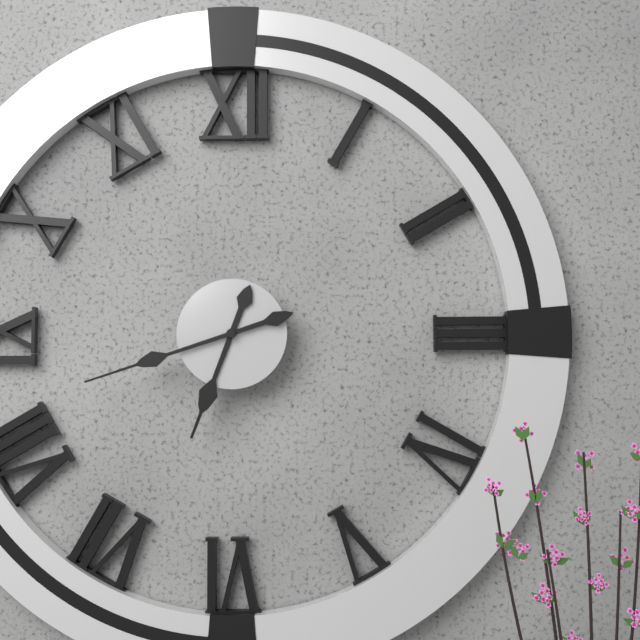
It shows {"hour": 6, "minute": 42}
